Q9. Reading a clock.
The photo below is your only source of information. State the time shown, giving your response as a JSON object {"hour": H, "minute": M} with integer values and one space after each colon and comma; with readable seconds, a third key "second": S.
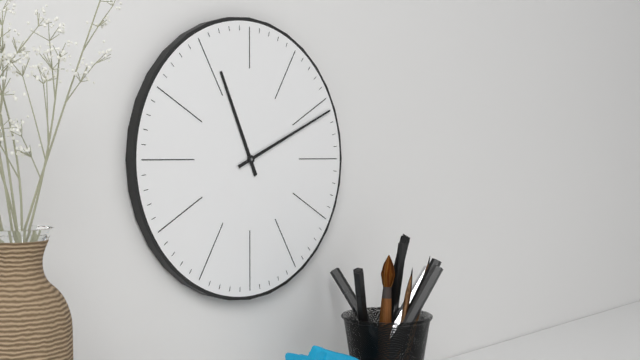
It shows {"hour": 11, "minute": 11}
